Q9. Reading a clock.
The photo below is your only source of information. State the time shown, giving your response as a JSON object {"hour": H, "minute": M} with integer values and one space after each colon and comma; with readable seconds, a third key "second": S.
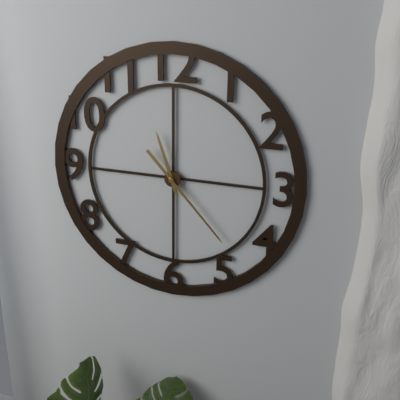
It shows {"hour": 11, "minute": 23}
